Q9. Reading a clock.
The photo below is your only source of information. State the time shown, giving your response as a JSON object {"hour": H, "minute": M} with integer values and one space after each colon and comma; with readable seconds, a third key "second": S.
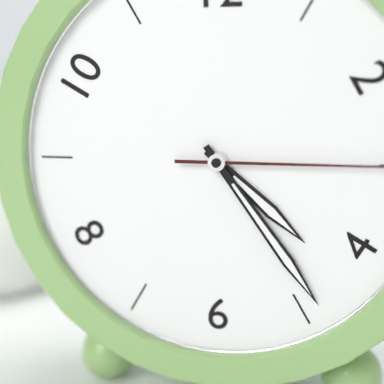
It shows {"hour": 4, "minute": 24}
